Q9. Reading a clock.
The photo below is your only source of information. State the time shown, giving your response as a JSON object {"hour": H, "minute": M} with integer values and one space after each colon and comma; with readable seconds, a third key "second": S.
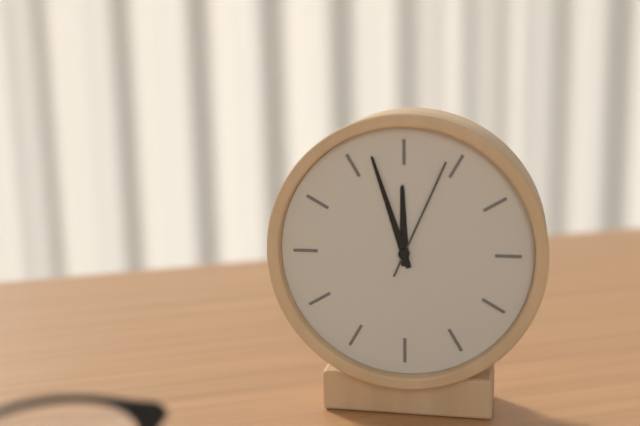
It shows {"hour": 11, "minute": 57, "second": 4}
